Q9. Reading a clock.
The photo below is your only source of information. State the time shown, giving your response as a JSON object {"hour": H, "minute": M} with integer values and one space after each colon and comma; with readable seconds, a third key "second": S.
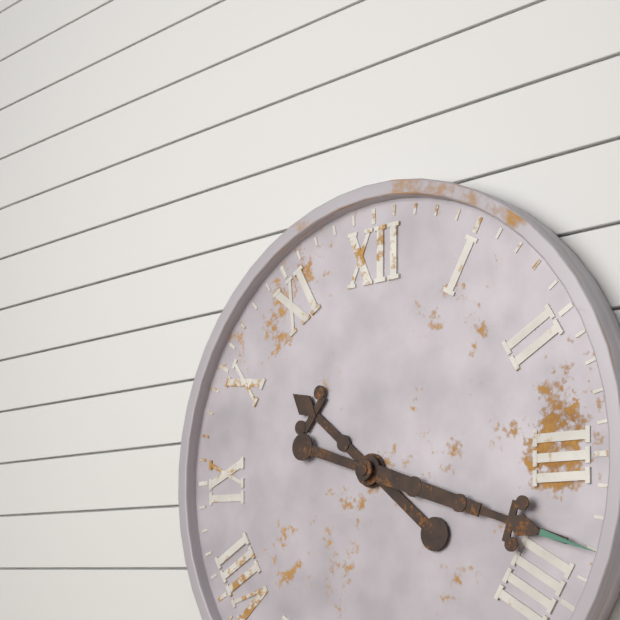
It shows {"hour": 10, "minute": 18}
